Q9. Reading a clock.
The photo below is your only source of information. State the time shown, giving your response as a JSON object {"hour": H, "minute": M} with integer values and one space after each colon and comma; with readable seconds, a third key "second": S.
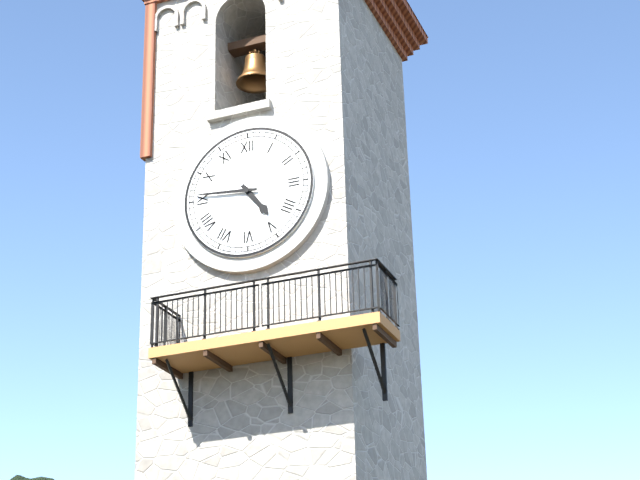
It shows {"hour": 4, "minute": 46}
